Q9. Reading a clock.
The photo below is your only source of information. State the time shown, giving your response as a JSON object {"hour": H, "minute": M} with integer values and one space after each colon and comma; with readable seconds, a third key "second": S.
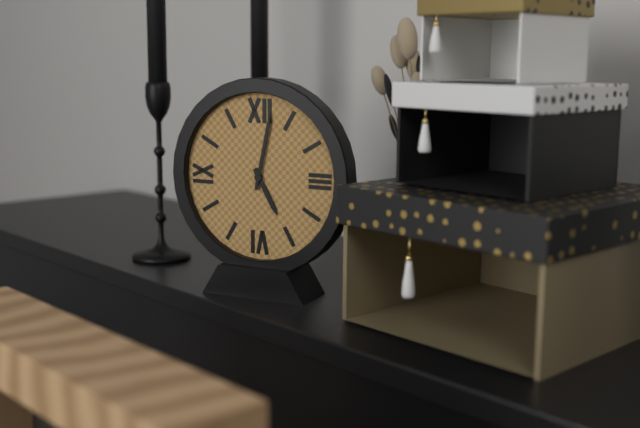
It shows {"hour": 5, "minute": 2}
